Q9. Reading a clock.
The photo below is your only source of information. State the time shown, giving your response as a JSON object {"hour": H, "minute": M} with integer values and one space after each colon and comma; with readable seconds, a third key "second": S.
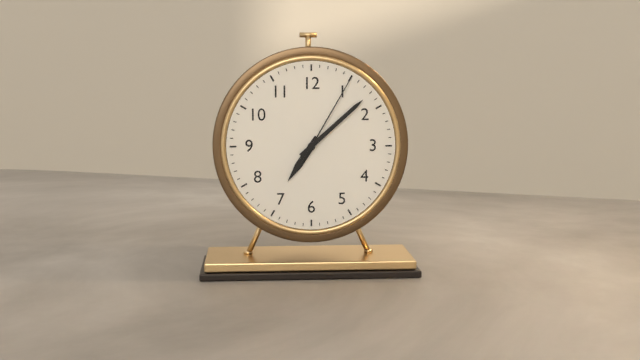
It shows {"hour": 7, "minute": 8, "second": 5}
